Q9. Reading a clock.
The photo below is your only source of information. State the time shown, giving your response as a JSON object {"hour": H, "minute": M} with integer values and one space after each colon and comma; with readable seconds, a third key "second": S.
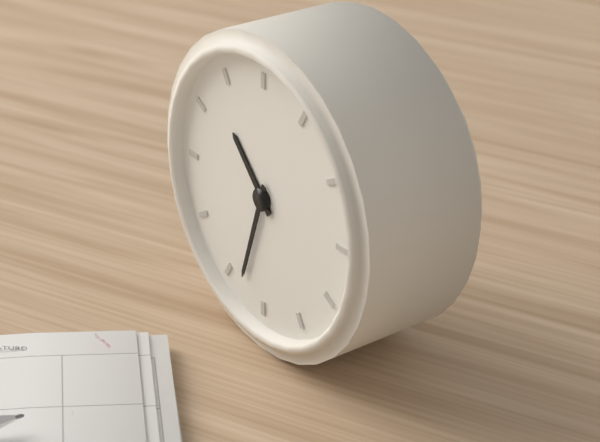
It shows {"hour": 10, "minute": 33}
